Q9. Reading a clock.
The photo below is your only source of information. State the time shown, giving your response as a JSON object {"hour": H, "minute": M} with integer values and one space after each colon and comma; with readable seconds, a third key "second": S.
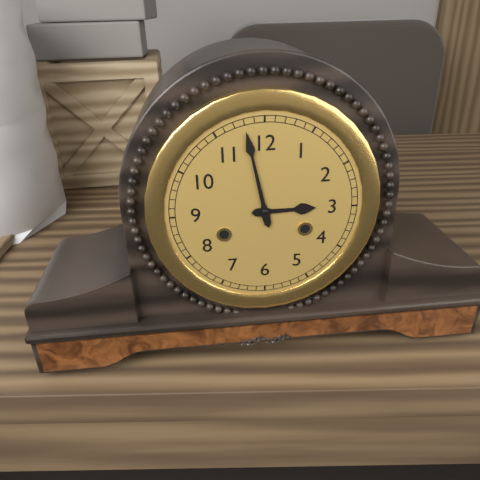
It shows {"hour": 2, "minute": 58}
